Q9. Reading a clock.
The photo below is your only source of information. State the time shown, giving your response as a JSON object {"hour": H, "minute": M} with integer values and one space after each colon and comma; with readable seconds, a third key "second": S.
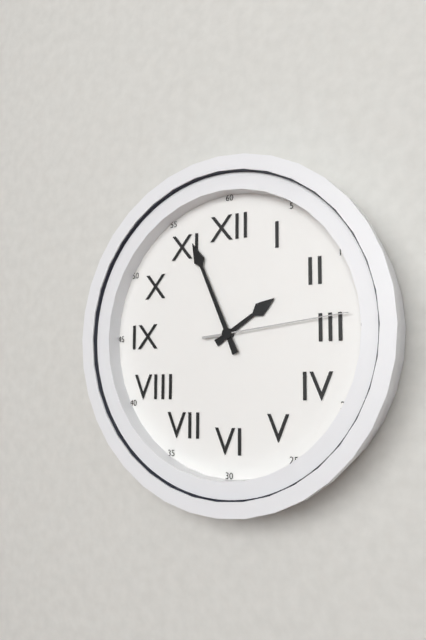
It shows {"hour": 1, "minute": 56, "second": 14}
